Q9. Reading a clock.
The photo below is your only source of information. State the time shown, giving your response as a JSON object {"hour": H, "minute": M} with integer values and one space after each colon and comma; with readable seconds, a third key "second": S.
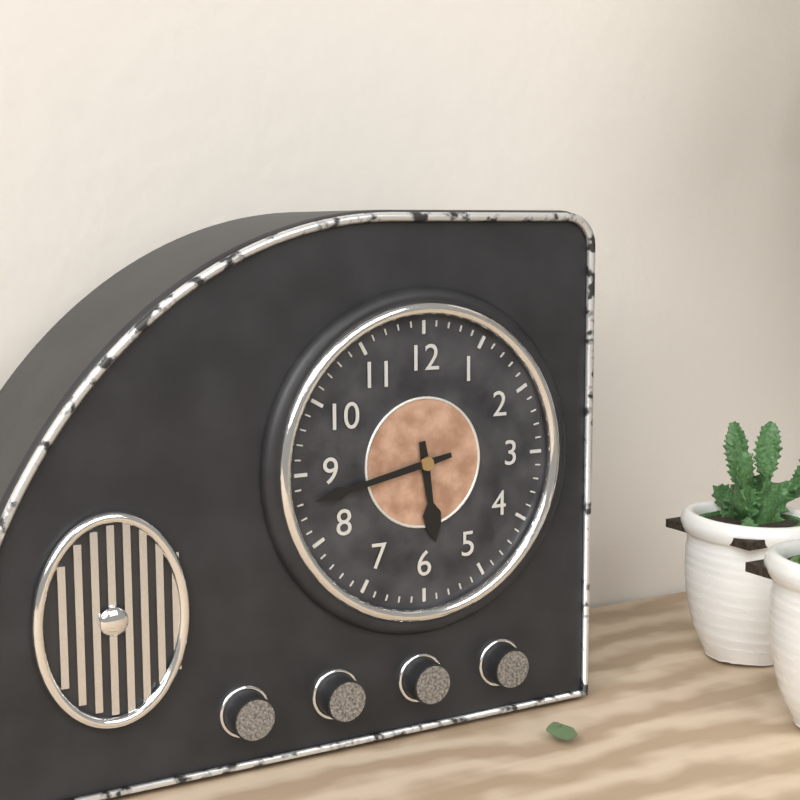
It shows {"hour": 5, "minute": 43}
